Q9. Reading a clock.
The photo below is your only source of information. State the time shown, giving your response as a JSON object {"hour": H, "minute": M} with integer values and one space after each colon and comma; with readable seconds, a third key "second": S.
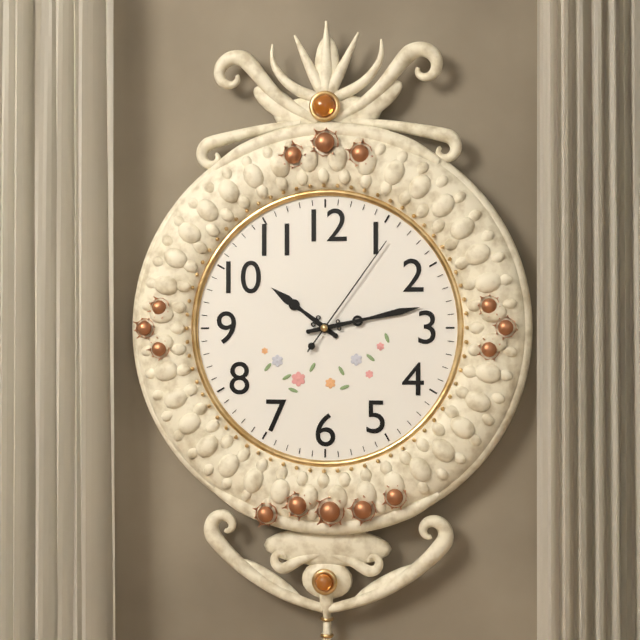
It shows {"hour": 10, "minute": 13, "second": 6}
